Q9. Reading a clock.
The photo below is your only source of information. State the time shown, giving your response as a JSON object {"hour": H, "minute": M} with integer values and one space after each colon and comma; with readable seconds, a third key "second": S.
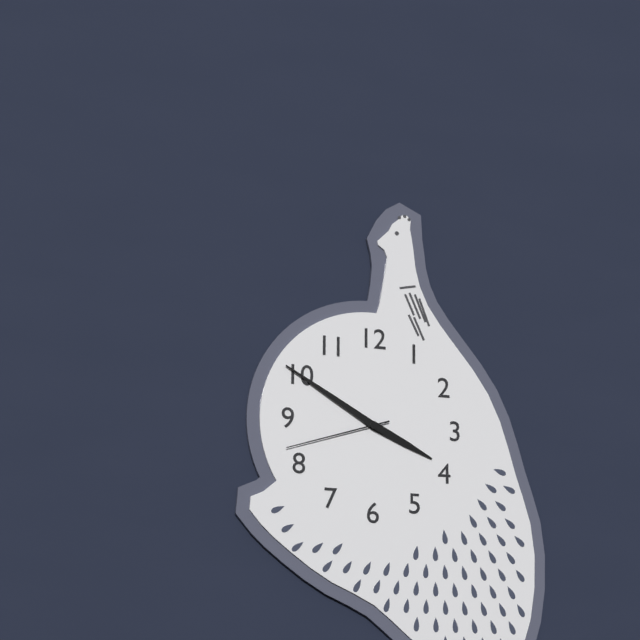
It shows {"hour": 3, "minute": 50, "second": 42}
